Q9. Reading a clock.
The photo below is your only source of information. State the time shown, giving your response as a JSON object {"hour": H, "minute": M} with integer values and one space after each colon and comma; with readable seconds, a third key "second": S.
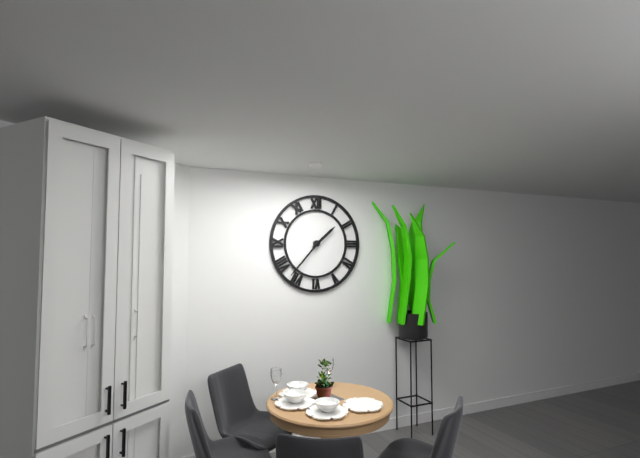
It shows {"hour": 1, "minute": 37}
